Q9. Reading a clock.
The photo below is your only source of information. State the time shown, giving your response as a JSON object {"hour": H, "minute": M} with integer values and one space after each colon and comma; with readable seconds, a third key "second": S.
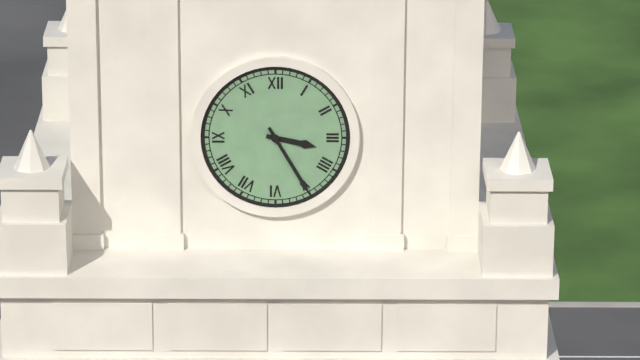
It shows {"hour": 3, "minute": 25}
